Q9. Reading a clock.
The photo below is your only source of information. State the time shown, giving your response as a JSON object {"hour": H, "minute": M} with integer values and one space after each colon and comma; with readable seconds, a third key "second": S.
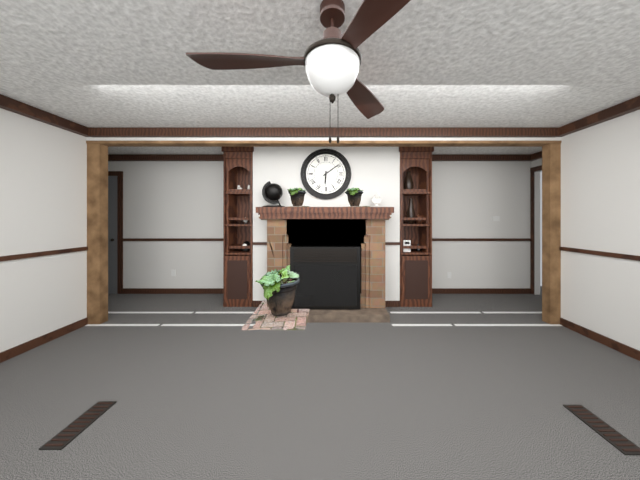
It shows {"hour": 6, "minute": 9}
